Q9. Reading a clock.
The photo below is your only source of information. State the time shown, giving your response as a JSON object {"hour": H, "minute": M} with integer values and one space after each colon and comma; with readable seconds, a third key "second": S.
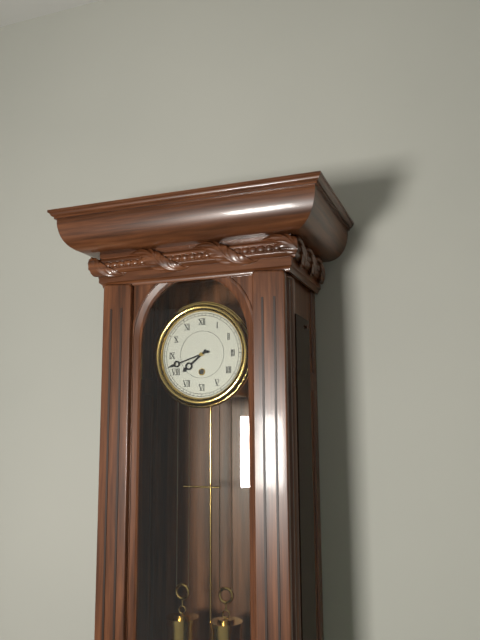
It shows {"hour": 7, "minute": 42}
